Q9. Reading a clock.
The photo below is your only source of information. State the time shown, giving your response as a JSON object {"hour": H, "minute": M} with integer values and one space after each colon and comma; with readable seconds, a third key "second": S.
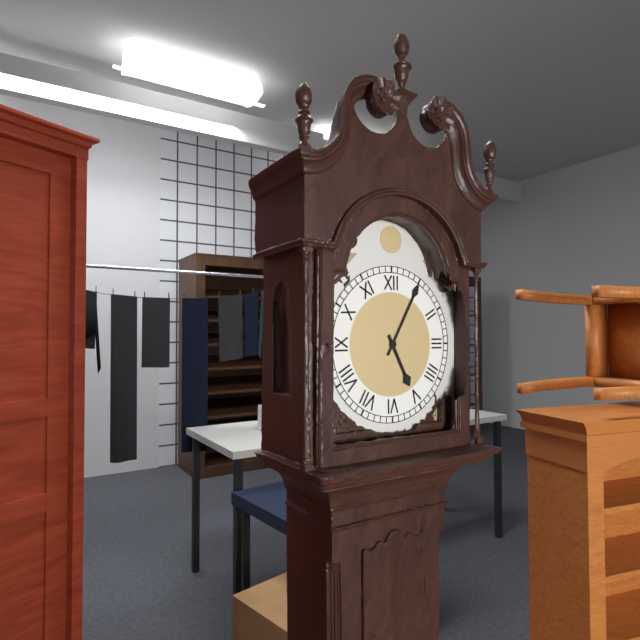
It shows {"hour": 5, "minute": 5}
